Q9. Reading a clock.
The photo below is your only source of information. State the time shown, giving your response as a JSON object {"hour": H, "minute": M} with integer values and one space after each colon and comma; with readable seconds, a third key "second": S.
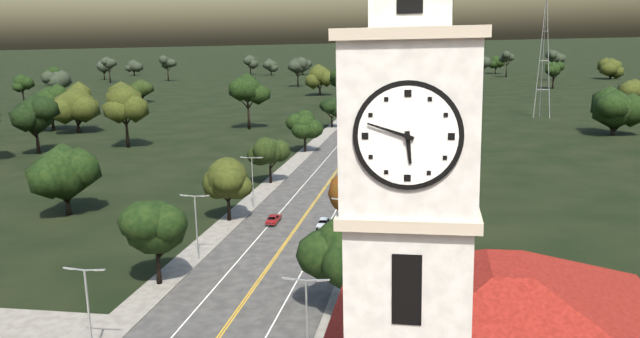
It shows {"hour": 5, "minute": 48}
